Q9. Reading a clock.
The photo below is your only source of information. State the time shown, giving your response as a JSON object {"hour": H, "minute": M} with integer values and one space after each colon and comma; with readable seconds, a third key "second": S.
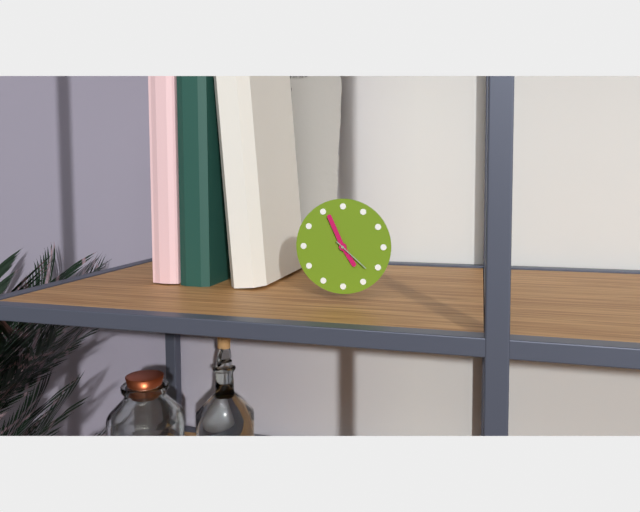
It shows {"hour": 4, "minute": 56}
